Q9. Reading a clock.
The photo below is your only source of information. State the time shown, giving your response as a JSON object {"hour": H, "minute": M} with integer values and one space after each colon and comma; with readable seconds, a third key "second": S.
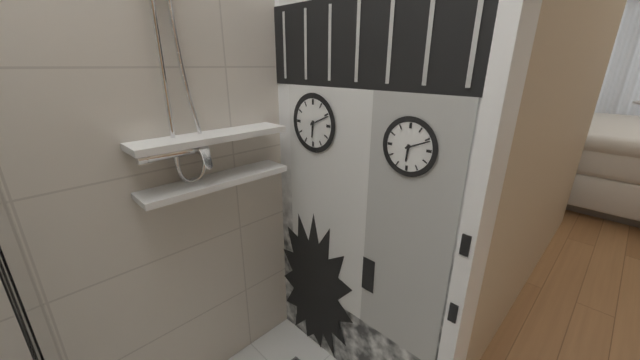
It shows {"hour": 6, "minute": 11}
